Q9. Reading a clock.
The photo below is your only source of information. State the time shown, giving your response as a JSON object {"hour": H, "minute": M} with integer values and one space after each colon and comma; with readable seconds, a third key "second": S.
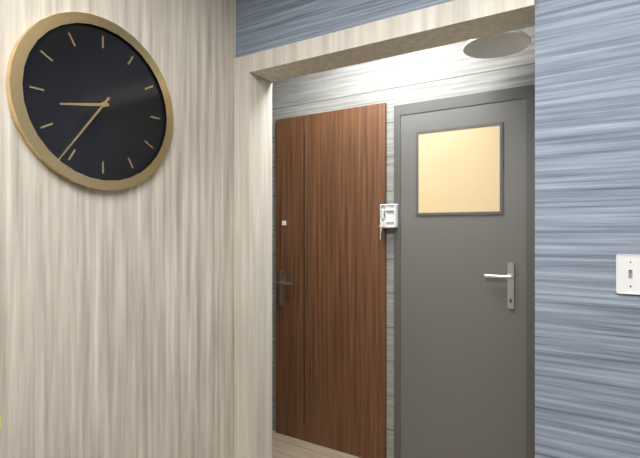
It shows {"hour": 8, "minute": 36}
